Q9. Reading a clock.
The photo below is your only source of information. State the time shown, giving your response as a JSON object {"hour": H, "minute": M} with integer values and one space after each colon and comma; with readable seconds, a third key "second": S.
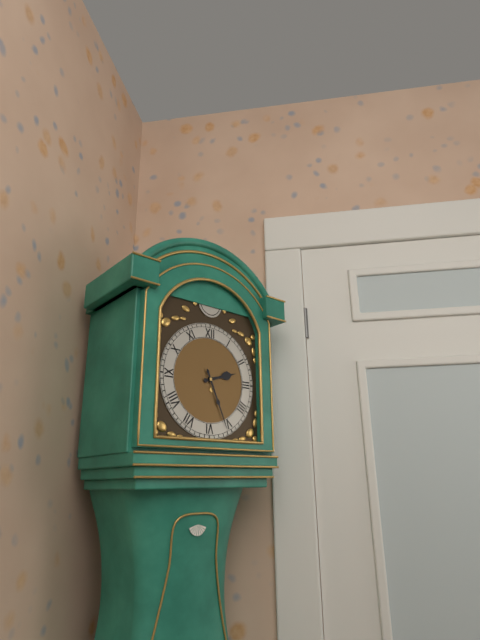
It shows {"hour": 2, "minute": 26}
